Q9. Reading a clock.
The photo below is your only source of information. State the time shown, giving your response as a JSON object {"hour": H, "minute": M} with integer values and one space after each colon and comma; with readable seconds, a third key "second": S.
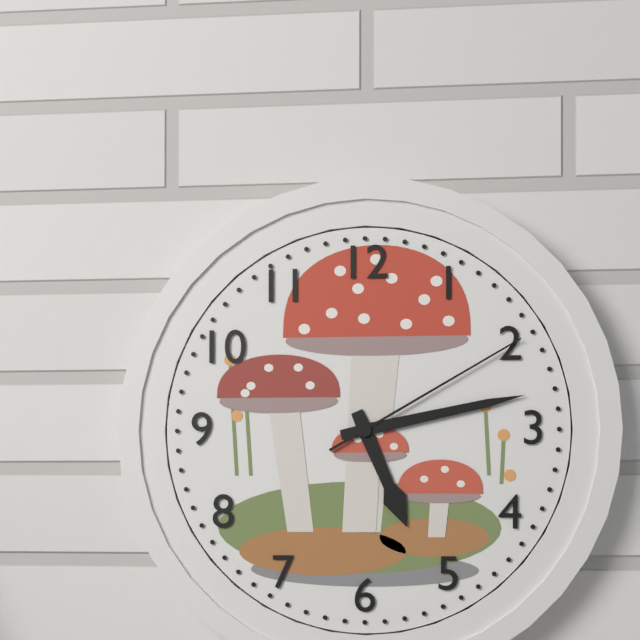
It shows {"hour": 5, "minute": 13, "second": 10}
